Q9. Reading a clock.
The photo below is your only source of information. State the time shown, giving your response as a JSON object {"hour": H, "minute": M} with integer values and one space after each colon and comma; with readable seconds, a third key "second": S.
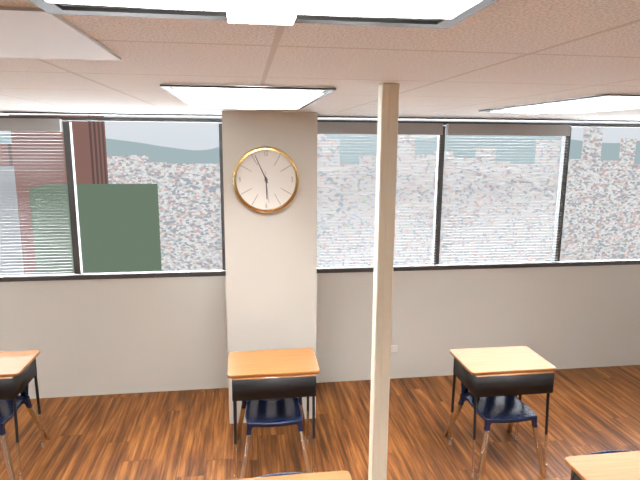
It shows {"hour": 5, "minute": 56}
